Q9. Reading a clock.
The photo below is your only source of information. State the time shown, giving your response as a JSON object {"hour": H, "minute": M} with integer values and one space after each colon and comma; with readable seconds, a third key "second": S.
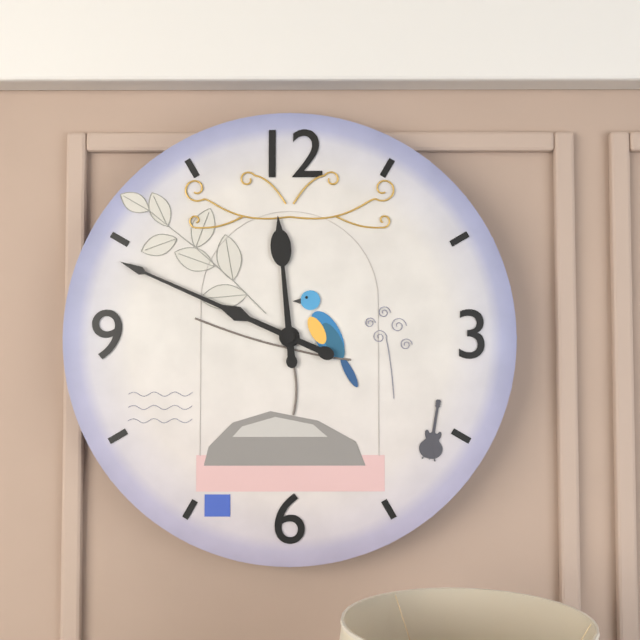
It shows {"hour": 11, "minute": 49}
